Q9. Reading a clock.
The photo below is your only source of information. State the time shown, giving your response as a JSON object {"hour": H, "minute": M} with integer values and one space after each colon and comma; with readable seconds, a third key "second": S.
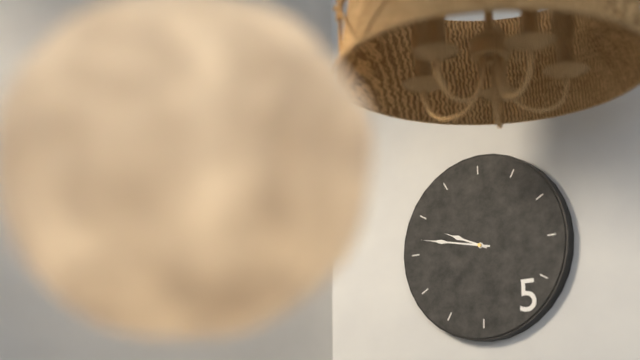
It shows {"hour": 9, "minute": 47}
